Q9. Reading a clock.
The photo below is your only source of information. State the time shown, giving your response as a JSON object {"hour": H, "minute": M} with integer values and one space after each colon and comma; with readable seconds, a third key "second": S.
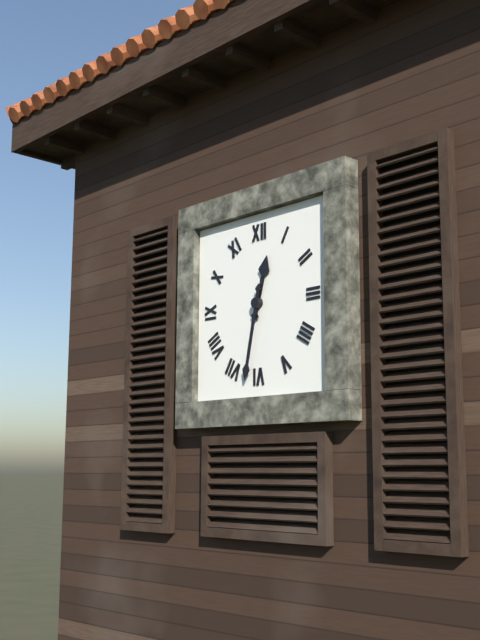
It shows {"hour": 12, "minute": 32}
